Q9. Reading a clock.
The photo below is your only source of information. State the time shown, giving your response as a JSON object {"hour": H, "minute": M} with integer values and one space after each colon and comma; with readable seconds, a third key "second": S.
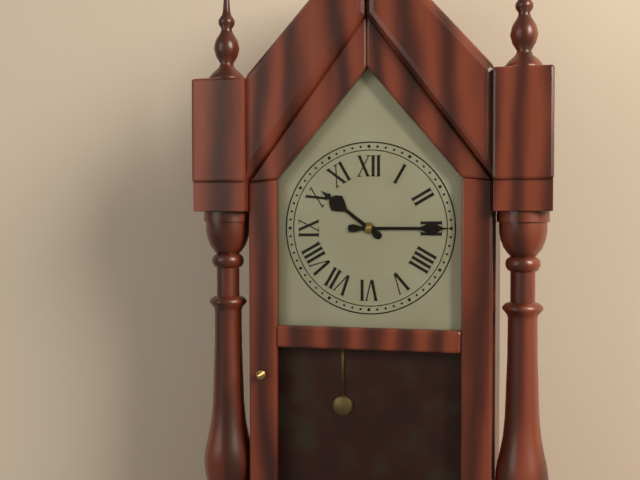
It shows {"hour": 10, "minute": 15}
